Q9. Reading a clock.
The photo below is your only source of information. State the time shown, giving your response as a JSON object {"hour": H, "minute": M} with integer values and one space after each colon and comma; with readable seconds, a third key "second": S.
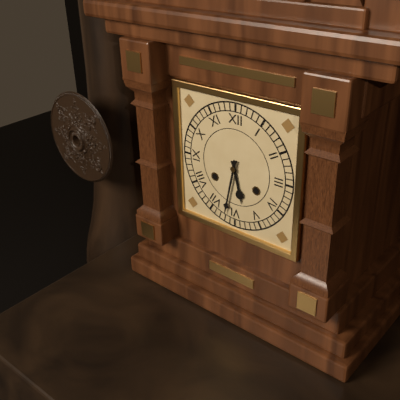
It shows {"hour": 5, "minute": 32}
